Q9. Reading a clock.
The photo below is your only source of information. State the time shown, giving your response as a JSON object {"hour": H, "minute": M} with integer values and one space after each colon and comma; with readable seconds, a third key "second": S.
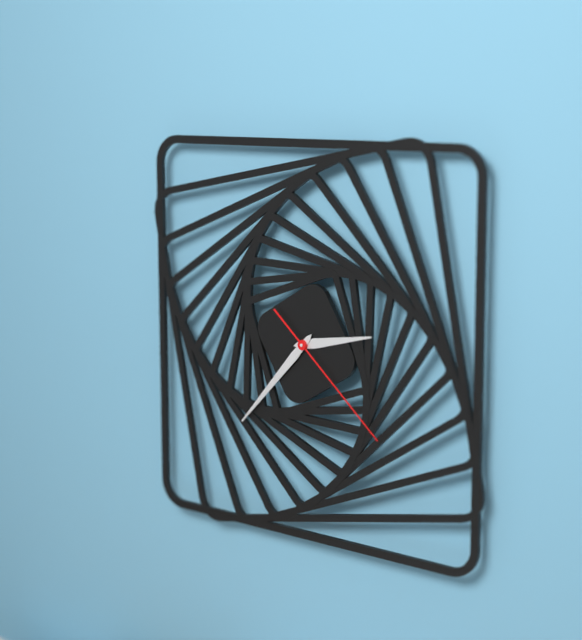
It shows {"hour": 2, "minute": 37, "second": 22}
